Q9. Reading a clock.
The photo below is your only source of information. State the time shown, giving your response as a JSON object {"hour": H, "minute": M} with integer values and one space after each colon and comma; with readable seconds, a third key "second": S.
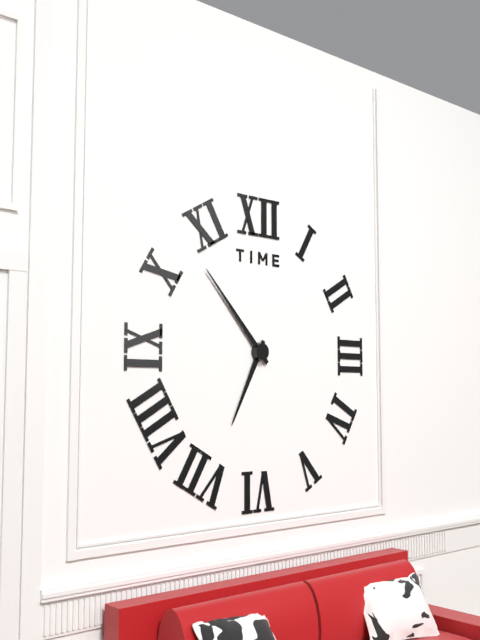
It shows {"hour": 6, "minute": 53}
